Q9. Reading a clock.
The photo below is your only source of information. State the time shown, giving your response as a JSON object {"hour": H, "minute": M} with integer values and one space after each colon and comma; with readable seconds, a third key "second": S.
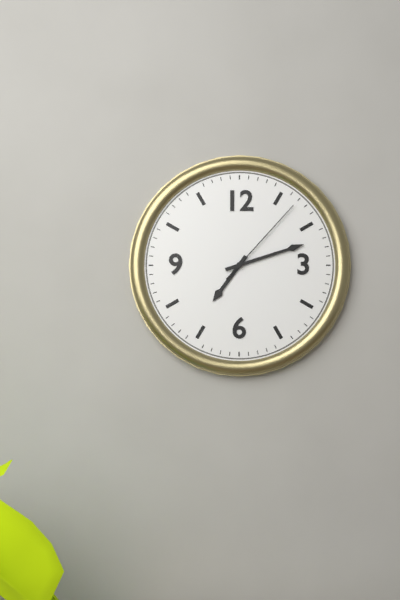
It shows {"hour": 7, "minute": 12, "second": 7}
